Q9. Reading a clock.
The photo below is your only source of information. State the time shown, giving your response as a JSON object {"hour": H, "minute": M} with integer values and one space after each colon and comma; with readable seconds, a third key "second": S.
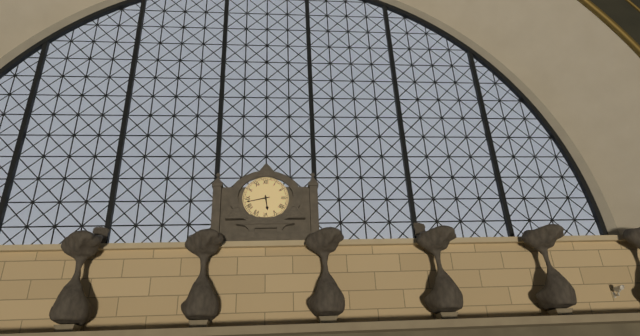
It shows {"hour": 5, "minute": 43}
